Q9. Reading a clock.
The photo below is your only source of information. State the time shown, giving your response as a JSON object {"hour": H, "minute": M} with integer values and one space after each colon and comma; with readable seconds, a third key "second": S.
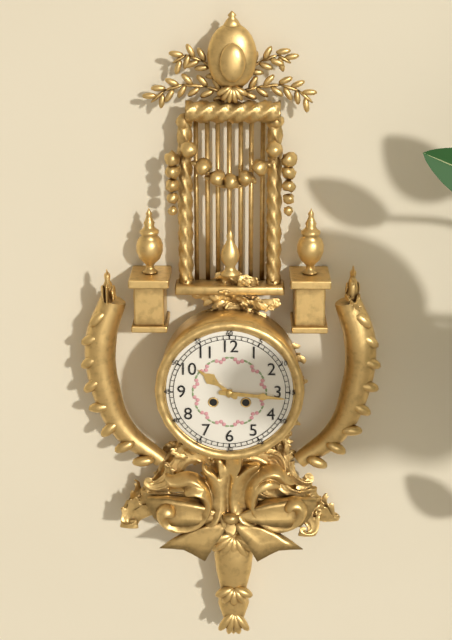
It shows {"hour": 10, "minute": 16}
